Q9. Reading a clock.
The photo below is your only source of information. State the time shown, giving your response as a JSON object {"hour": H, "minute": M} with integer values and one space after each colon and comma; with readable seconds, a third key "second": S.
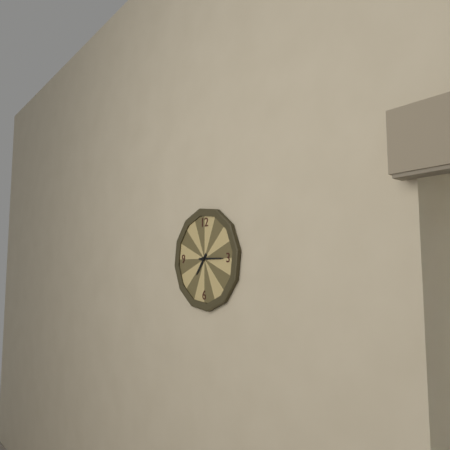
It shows {"hour": 7, "minute": 15}
